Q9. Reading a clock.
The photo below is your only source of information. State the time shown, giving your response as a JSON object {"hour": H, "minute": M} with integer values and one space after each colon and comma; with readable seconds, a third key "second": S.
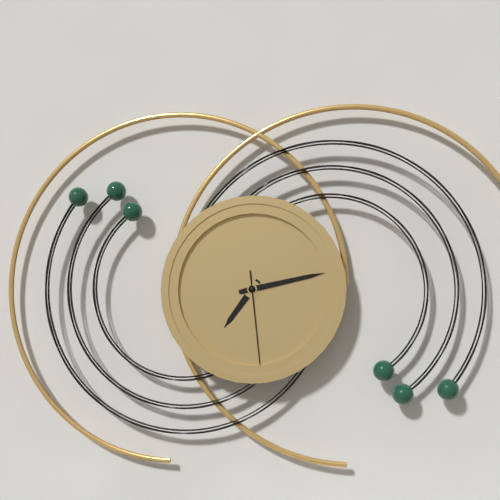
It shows {"hour": 7, "minute": 13, "second": 29}
